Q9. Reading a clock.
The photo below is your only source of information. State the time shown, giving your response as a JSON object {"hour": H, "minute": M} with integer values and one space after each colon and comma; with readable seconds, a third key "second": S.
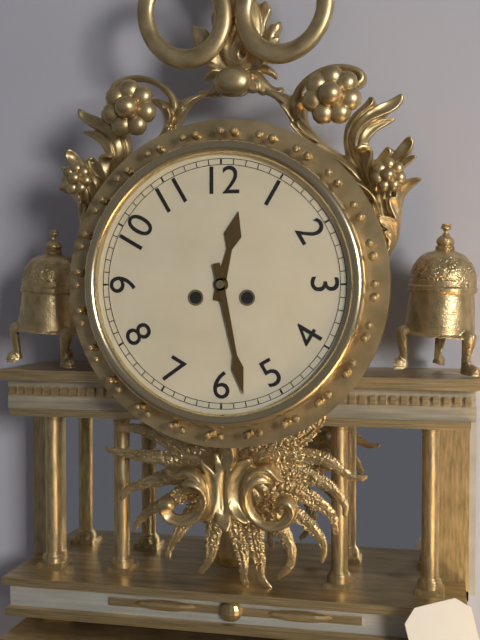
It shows {"hour": 12, "minute": 28}
